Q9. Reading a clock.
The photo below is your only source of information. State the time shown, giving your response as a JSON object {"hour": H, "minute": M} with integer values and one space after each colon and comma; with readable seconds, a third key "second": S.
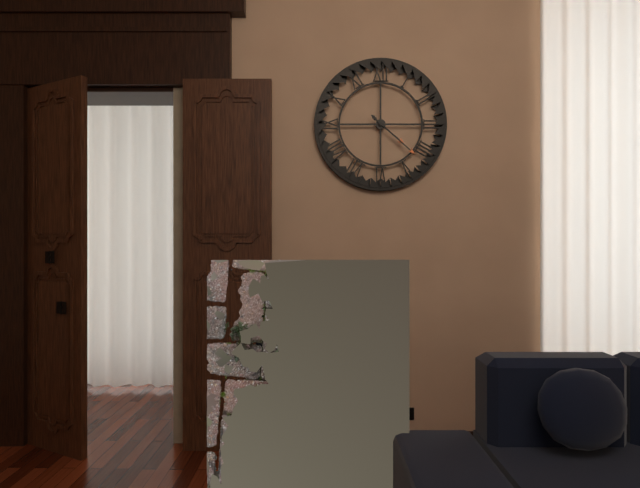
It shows {"hour": 4, "minute": 22}
